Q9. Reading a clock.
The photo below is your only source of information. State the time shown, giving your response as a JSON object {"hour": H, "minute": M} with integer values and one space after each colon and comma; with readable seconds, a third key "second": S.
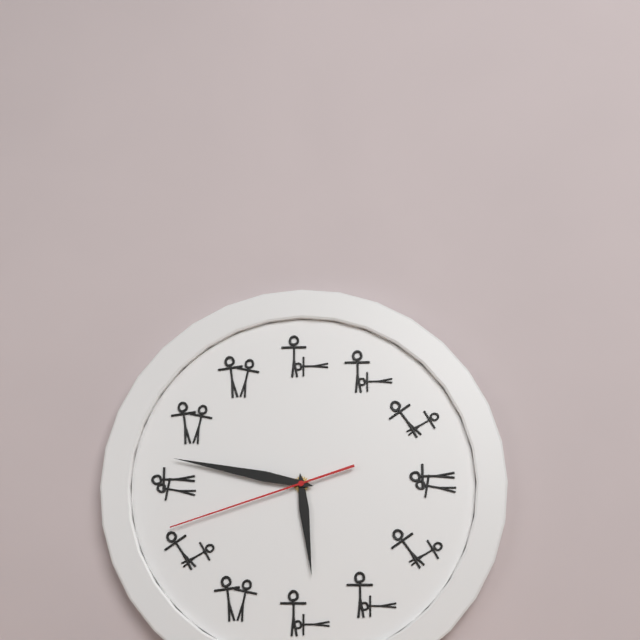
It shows {"hour": 5, "minute": 47, "second": 42}
